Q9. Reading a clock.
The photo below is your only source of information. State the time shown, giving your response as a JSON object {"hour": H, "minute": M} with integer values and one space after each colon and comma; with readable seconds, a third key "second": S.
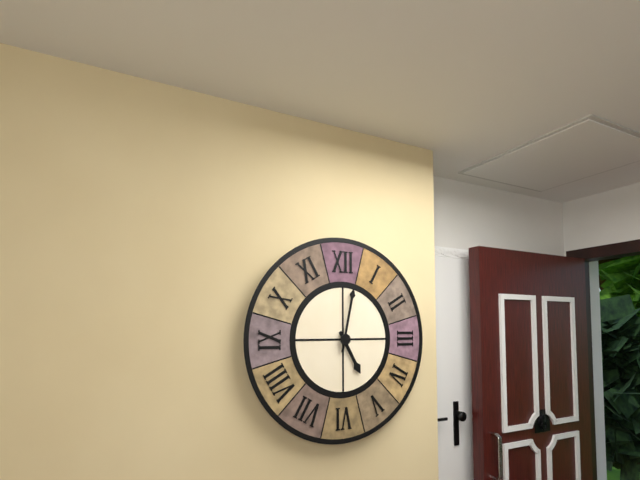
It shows {"hour": 5, "minute": 2}
